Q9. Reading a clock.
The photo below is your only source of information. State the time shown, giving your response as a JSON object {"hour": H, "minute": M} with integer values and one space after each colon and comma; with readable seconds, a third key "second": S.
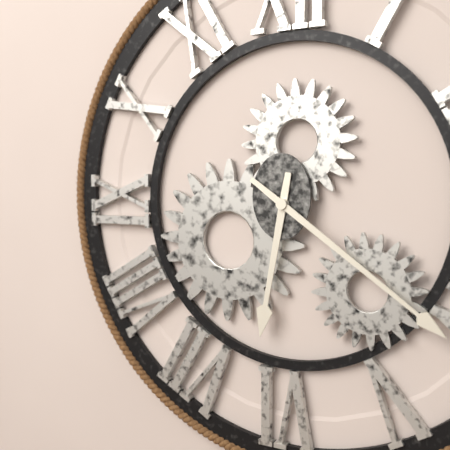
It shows {"hour": 6, "minute": 21}
